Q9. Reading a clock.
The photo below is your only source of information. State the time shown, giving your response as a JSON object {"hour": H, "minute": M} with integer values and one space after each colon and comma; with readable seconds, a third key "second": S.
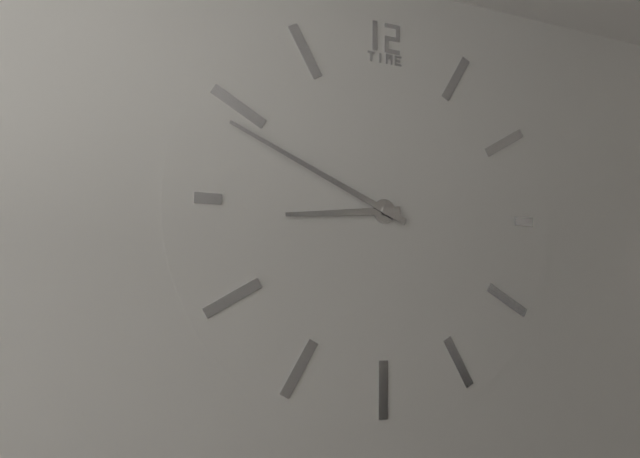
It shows {"hour": 8, "minute": 49}
